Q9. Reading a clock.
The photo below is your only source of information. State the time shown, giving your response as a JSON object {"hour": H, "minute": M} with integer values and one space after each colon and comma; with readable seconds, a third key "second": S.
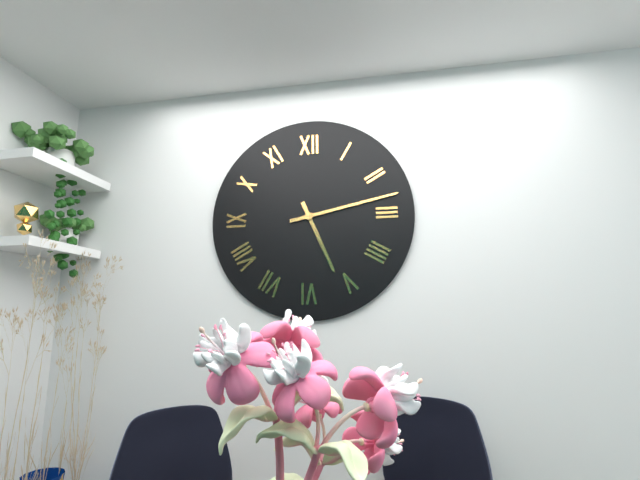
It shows {"hour": 5, "minute": 13}
